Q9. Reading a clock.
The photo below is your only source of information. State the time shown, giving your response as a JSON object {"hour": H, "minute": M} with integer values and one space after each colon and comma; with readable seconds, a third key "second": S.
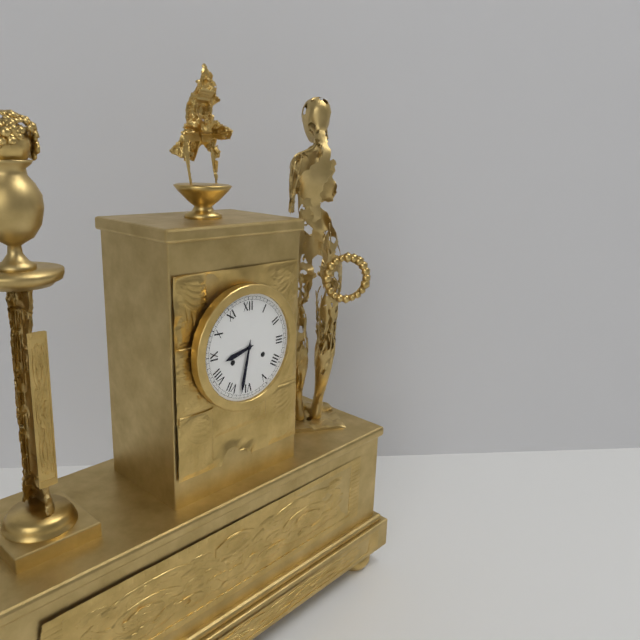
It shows {"hour": 8, "minute": 32}
